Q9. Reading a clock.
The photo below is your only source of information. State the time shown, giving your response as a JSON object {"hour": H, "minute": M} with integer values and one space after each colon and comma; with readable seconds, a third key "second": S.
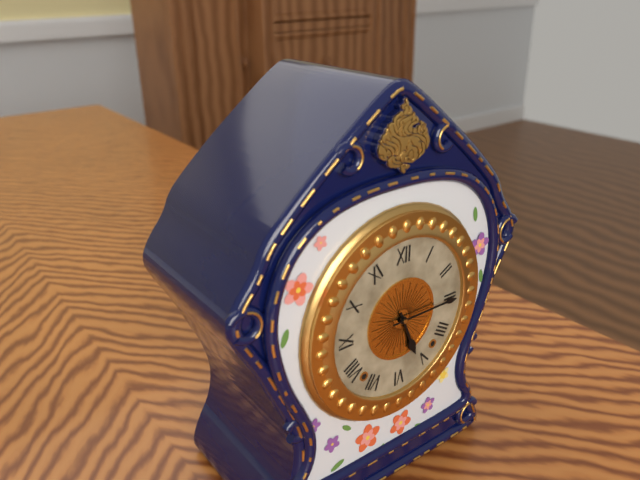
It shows {"hour": 5, "minute": 15}
